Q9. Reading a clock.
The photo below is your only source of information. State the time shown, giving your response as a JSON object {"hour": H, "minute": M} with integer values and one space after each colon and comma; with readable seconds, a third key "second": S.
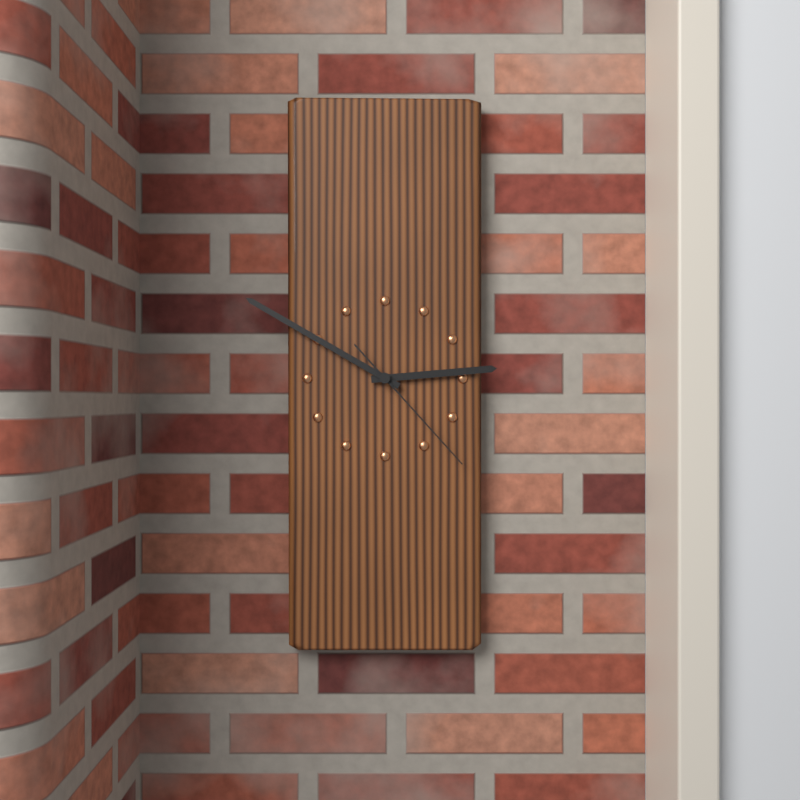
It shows {"hour": 2, "minute": 50, "second": 23}
